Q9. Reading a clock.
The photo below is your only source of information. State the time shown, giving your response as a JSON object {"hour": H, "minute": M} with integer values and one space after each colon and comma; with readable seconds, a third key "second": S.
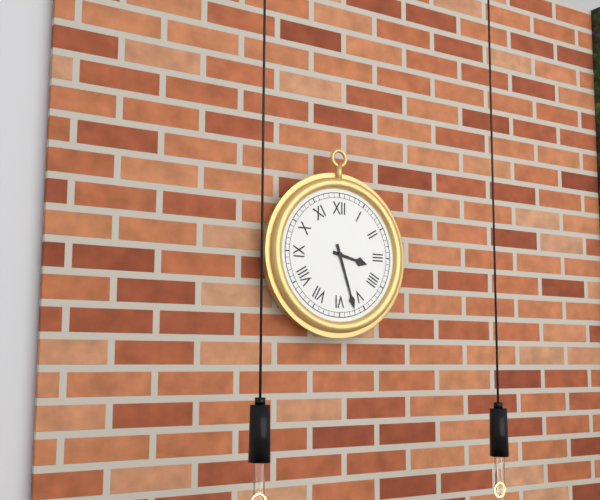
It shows {"hour": 3, "minute": 27}
